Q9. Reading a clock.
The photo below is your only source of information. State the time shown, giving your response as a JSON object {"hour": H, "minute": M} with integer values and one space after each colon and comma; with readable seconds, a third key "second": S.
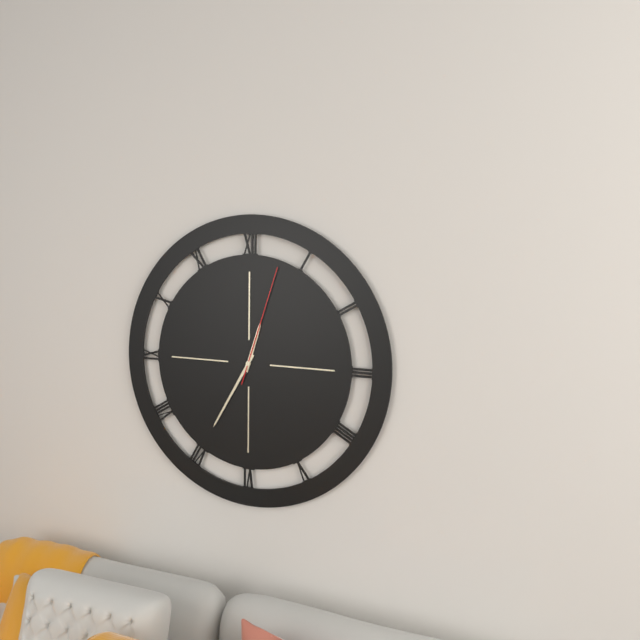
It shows {"hour": 12, "minute": 35, "second": 3}
